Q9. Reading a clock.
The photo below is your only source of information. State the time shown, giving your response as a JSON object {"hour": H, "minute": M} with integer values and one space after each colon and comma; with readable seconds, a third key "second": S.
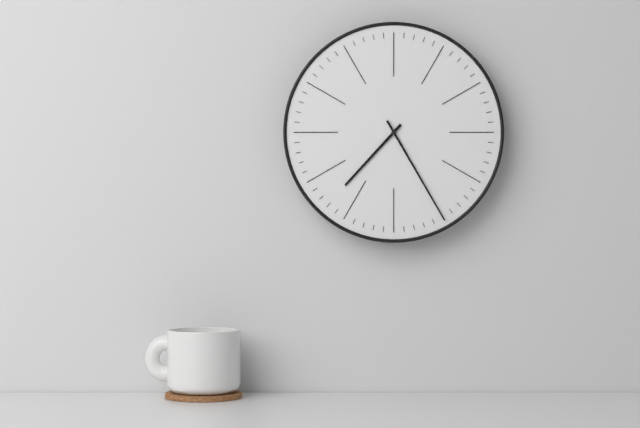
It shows {"hour": 7, "minute": 25}
